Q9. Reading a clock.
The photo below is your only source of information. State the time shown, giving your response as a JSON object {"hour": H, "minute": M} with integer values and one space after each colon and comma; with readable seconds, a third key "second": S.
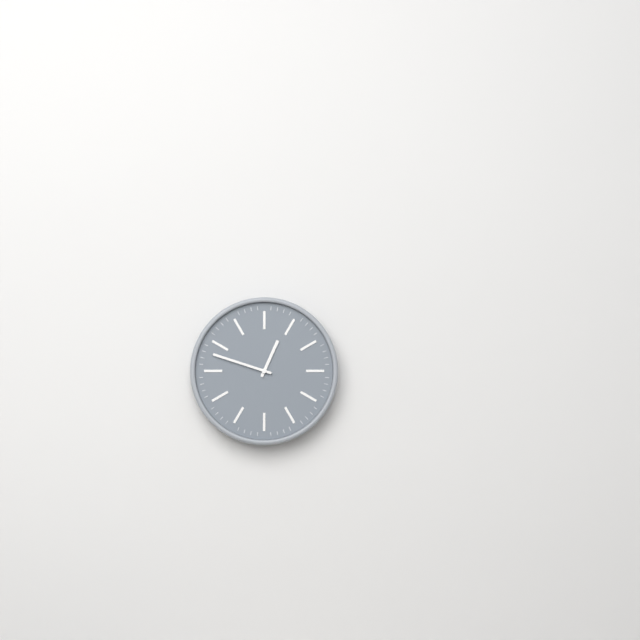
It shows {"hour": 12, "minute": 48}
